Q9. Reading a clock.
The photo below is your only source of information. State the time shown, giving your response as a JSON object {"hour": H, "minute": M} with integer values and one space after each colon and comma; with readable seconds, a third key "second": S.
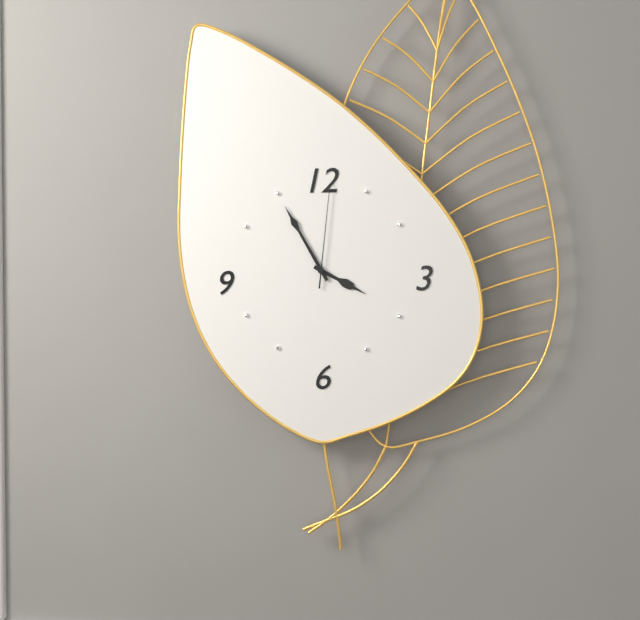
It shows {"hour": 3, "minute": 55, "second": 1}
